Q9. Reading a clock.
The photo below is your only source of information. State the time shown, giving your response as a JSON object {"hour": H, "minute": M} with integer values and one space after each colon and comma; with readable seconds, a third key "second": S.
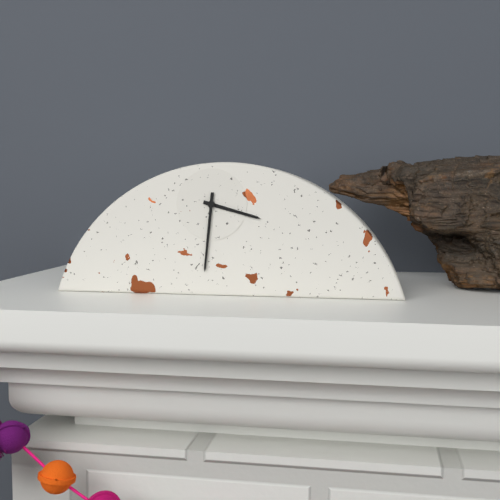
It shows {"hour": 3, "minute": 31}
